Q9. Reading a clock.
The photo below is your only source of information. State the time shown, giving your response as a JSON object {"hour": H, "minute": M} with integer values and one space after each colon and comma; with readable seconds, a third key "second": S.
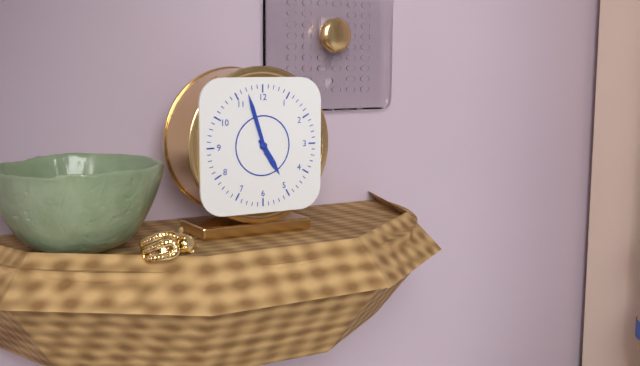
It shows {"hour": 4, "minute": 57}
